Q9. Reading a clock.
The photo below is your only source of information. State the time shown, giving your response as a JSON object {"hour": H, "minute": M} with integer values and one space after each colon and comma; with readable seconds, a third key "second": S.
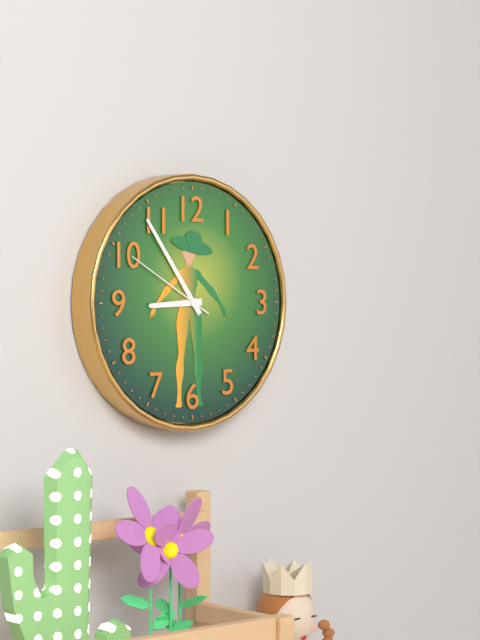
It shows {"hour": 8, "minute": 54, "second": 50}
